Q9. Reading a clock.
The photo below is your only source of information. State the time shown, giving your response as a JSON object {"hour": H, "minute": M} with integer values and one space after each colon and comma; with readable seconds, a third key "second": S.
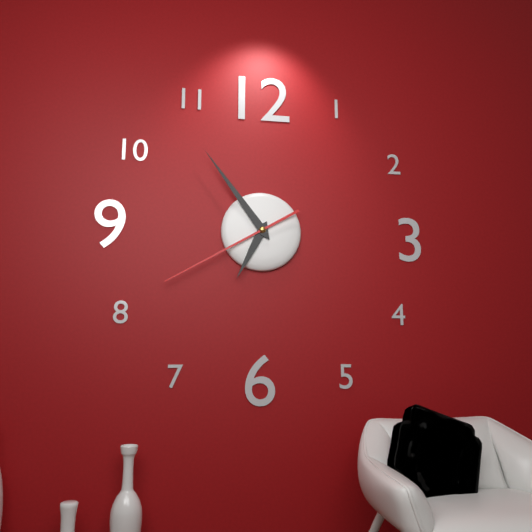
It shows {"hour": 6, "minute": 54, "second": 40}
